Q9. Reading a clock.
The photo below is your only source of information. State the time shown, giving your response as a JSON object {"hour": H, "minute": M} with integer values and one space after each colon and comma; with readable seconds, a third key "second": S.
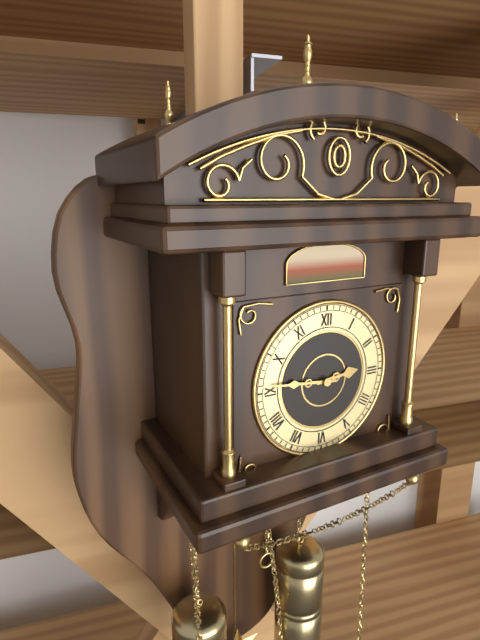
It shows {"hour": 2, "minute": 46}
